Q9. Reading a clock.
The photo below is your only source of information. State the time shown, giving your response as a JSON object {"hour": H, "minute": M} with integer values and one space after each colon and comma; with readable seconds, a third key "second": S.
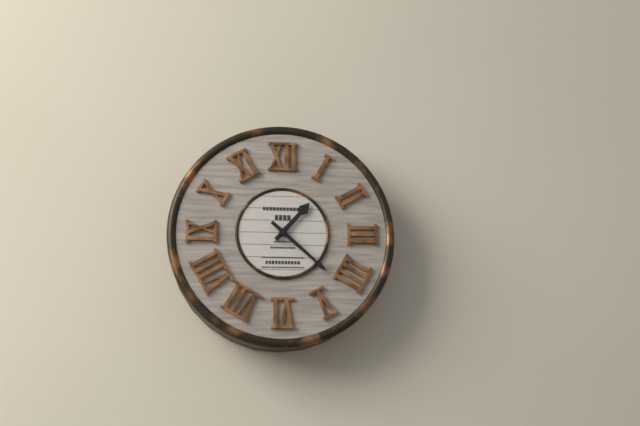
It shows {"hour": 1, "minute": 22}
